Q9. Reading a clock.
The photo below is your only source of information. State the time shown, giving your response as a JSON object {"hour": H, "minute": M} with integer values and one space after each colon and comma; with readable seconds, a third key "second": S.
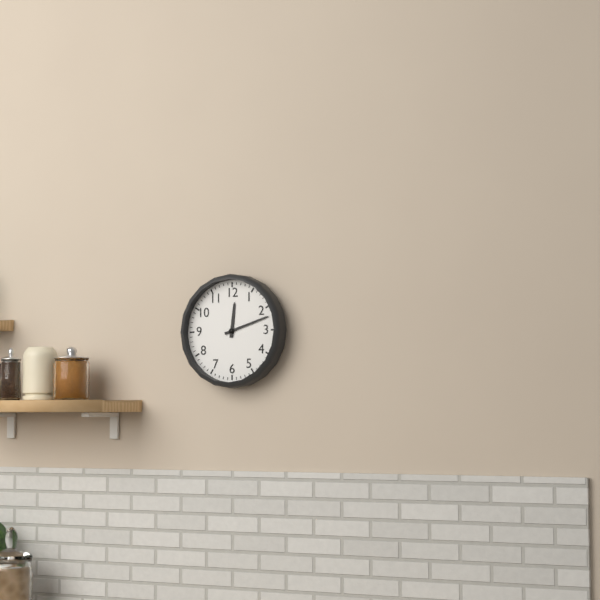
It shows {"hour": 12, "minute": 12}
